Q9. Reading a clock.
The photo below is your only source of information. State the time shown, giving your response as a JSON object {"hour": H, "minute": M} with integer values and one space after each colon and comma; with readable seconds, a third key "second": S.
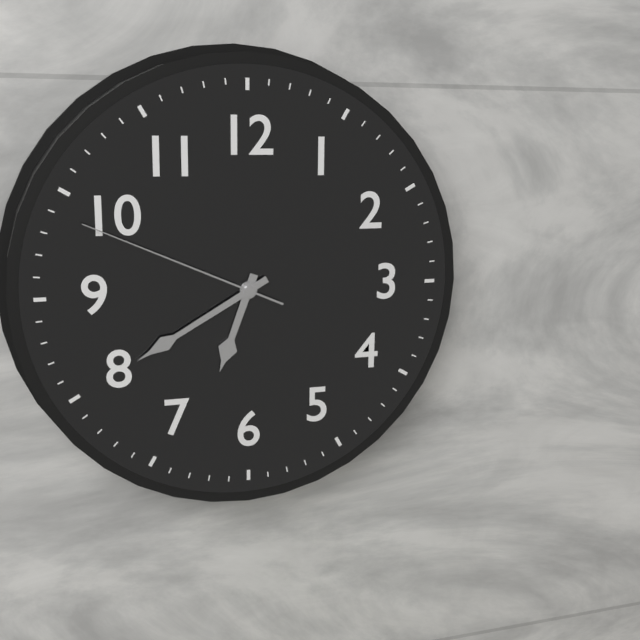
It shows {"hour": 6, "minute": 40, "second": 49}
